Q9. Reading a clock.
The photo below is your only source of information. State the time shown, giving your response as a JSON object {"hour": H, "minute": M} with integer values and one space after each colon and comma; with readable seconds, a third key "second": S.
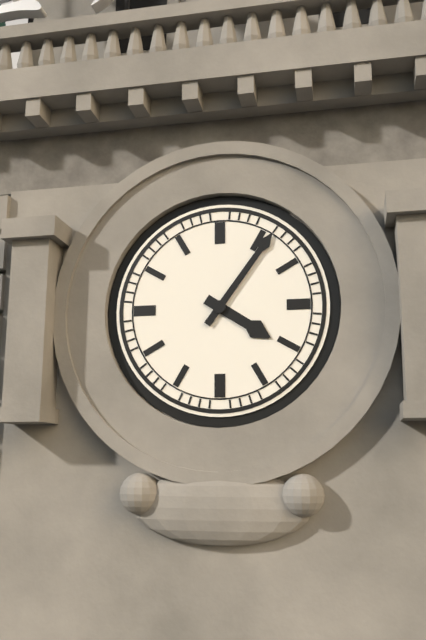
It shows {"hour": 4, "minute": 6}
